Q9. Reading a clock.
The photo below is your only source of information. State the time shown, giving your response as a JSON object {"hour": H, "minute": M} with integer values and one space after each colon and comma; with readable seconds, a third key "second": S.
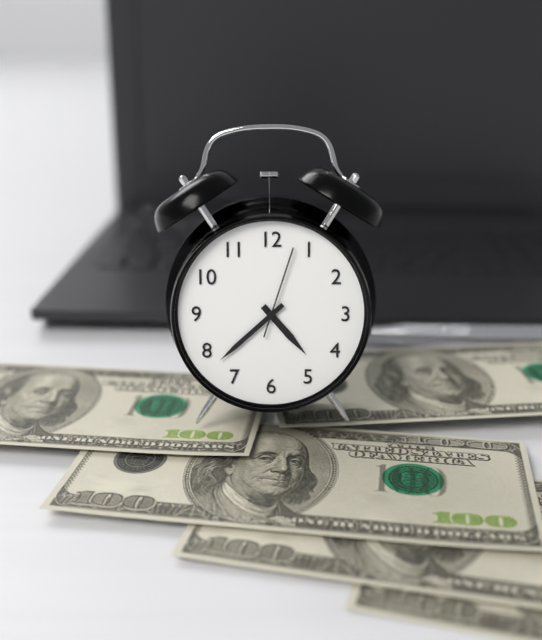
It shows {"hour": 4, "minute": 38, "second": 3}
